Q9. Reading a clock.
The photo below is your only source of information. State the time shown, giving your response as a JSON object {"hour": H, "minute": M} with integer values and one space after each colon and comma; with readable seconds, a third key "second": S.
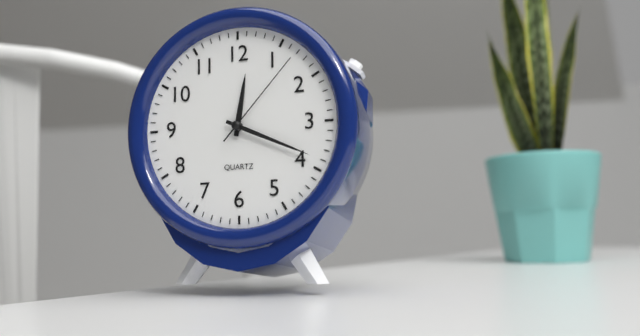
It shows {"hour": 12, "minute": 19, "second": 7}
